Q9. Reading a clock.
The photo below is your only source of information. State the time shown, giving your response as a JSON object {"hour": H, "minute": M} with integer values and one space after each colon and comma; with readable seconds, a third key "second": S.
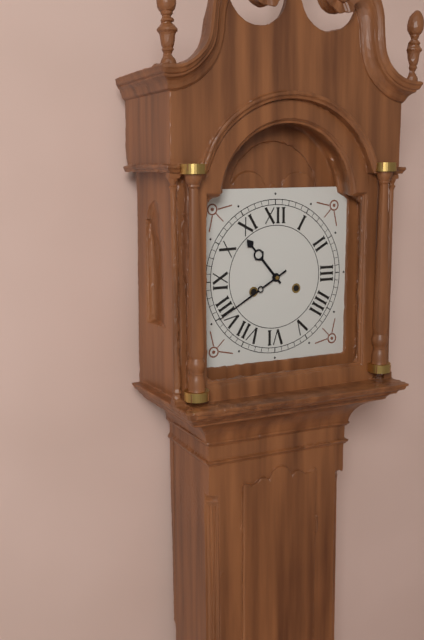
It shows {"hour": 10, "minute": 40}
